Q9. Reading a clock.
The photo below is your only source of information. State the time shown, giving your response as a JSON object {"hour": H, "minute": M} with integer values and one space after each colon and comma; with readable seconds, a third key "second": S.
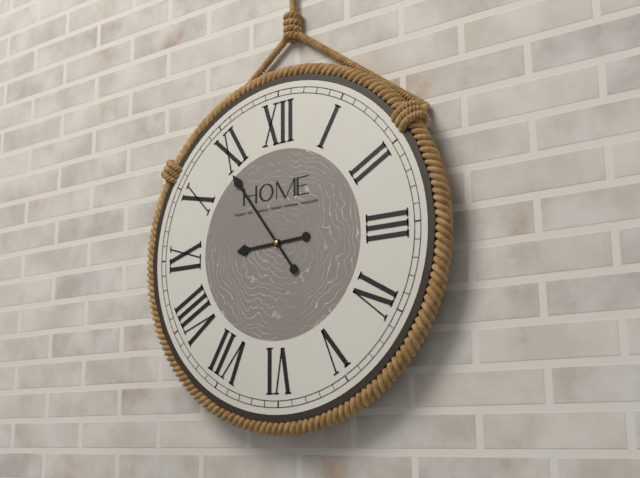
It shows {"hour": 8, "minute": 54}
